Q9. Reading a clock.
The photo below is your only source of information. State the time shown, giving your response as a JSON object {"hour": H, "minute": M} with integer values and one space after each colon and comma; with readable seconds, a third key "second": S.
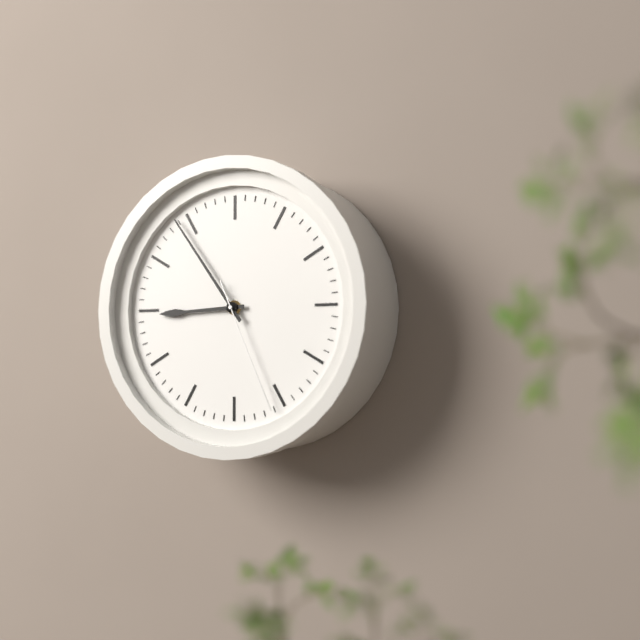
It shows {"hour": 8, "minute": 54, "second": 26}
